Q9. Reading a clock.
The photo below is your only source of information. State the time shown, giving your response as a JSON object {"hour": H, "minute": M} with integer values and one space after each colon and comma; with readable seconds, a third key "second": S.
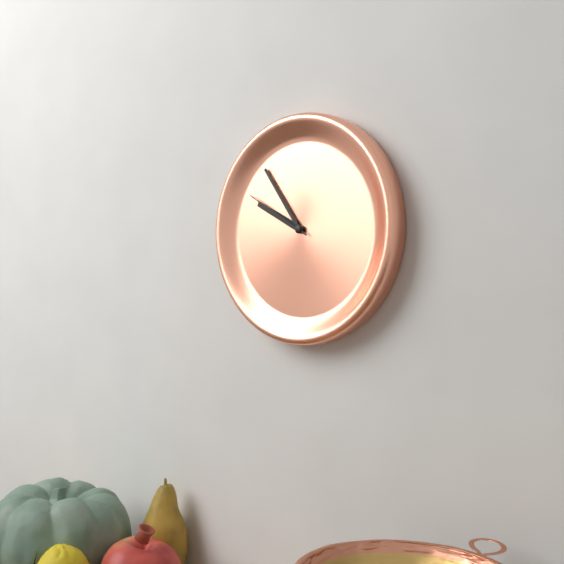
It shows {"hour": 9, "minute": 54, "second": 50}
